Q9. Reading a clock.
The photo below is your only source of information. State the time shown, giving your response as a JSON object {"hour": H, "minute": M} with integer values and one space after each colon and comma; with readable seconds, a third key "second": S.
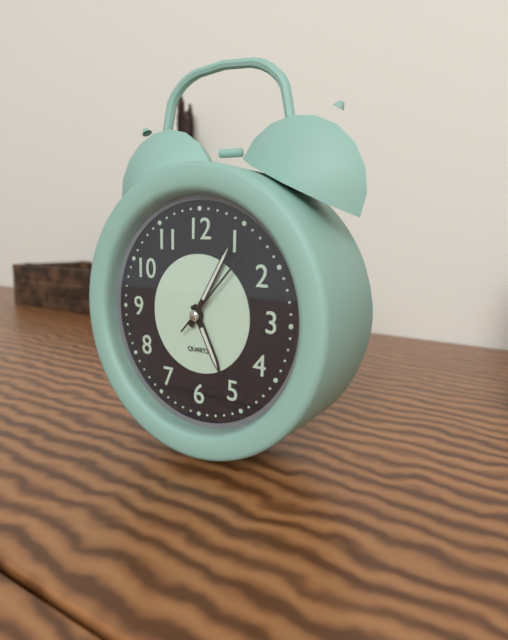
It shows {"hour": 5, "minute": 5, "second": 7}
